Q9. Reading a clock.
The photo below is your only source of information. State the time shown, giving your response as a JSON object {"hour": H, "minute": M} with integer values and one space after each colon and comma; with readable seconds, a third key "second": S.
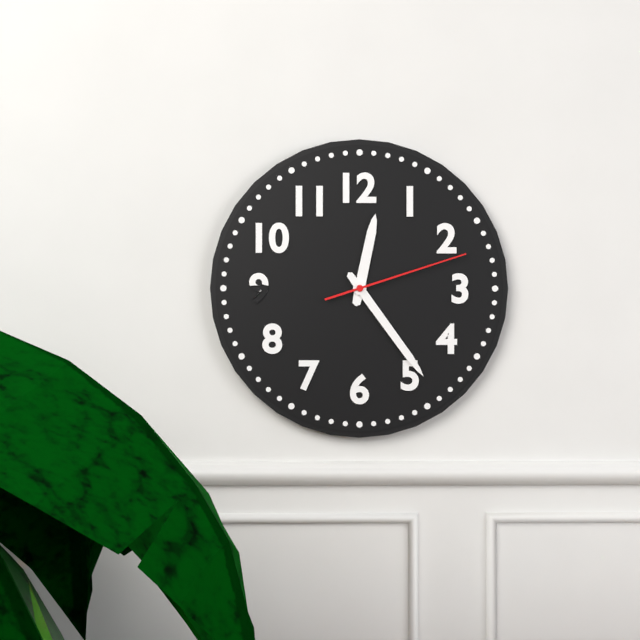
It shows {"hour": 12, "minute": 24, "second": 12}
